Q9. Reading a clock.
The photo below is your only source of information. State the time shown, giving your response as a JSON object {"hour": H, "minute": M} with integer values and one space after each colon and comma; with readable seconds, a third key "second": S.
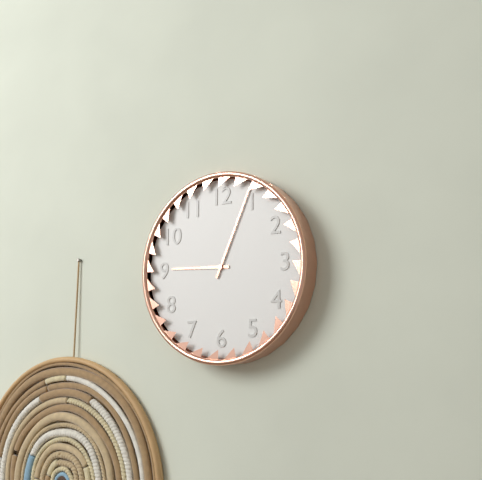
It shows {"hour": 9, "minute": 4}
